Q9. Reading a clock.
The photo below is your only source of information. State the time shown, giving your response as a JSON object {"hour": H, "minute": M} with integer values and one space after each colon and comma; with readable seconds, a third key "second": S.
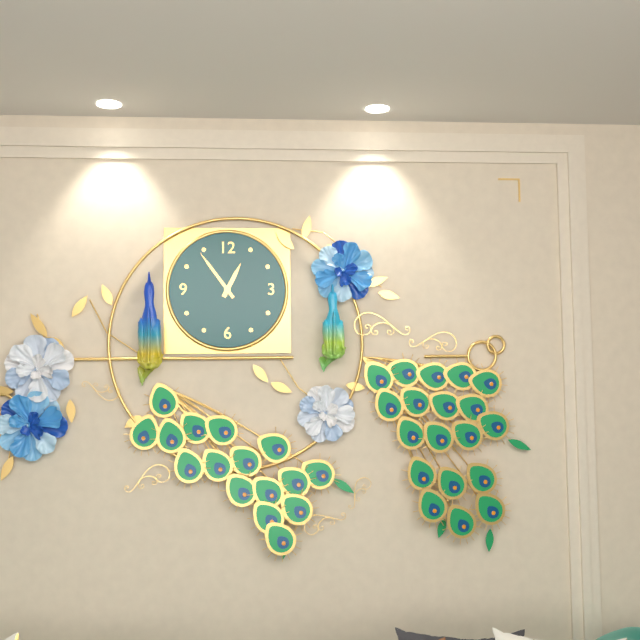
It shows {"hour": 12, "minute": 54}
